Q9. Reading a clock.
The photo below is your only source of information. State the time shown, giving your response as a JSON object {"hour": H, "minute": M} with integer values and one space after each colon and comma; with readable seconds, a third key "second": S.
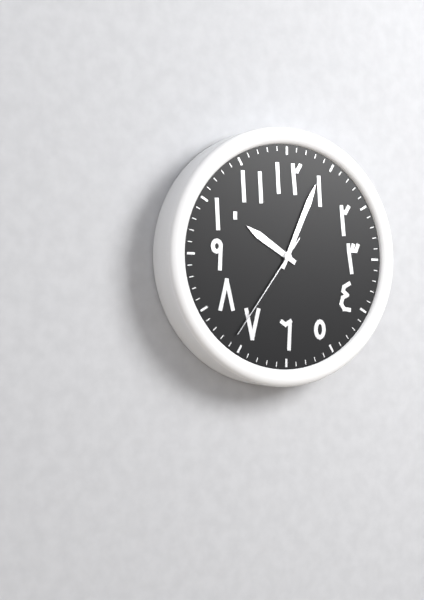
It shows {"hour": 10, "minute": 4, "second": 36}
